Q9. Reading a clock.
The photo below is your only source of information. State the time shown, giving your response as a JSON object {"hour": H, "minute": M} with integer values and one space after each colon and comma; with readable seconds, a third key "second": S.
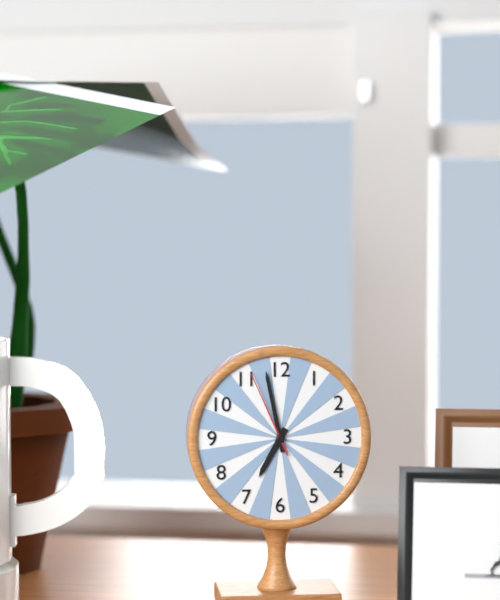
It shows {"hour": 6, "minute": 58, "second": 56}
